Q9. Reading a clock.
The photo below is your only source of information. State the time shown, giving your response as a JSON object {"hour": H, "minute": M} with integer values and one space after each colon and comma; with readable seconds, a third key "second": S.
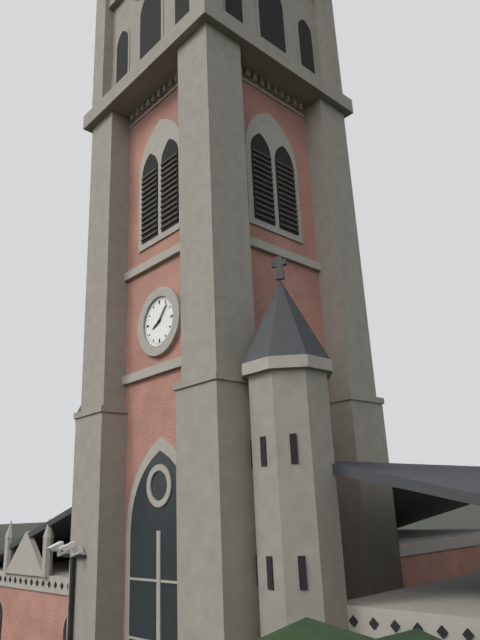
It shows {"hour": 8, "minute": 7}
